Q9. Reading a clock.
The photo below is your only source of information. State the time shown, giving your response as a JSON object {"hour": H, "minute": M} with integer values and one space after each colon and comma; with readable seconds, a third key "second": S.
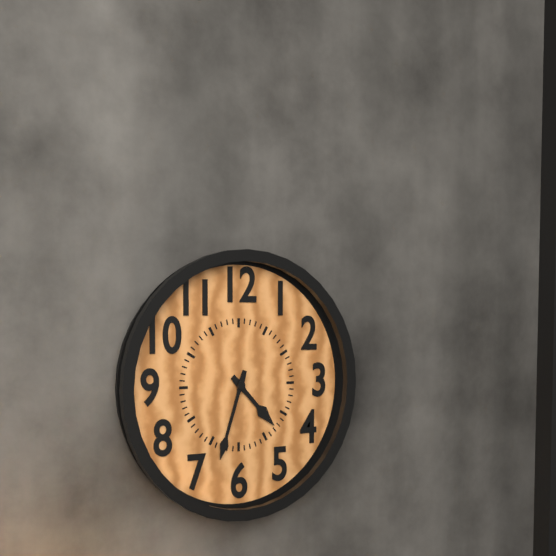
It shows {"hour": 4, "minute": 33}
